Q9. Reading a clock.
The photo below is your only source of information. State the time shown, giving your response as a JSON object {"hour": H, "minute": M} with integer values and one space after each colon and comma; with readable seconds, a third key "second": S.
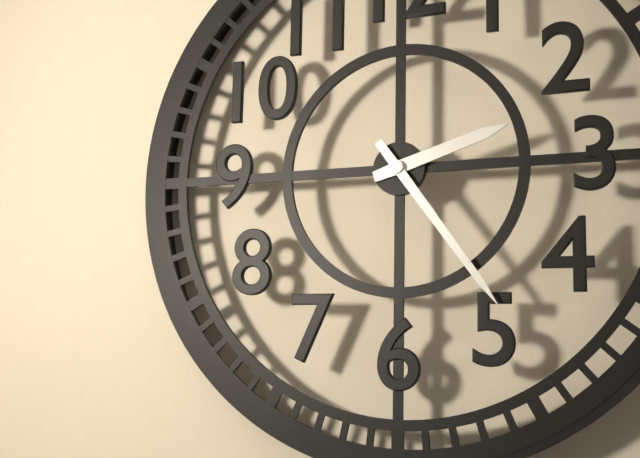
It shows {"hour": 2, "minute": 24}
